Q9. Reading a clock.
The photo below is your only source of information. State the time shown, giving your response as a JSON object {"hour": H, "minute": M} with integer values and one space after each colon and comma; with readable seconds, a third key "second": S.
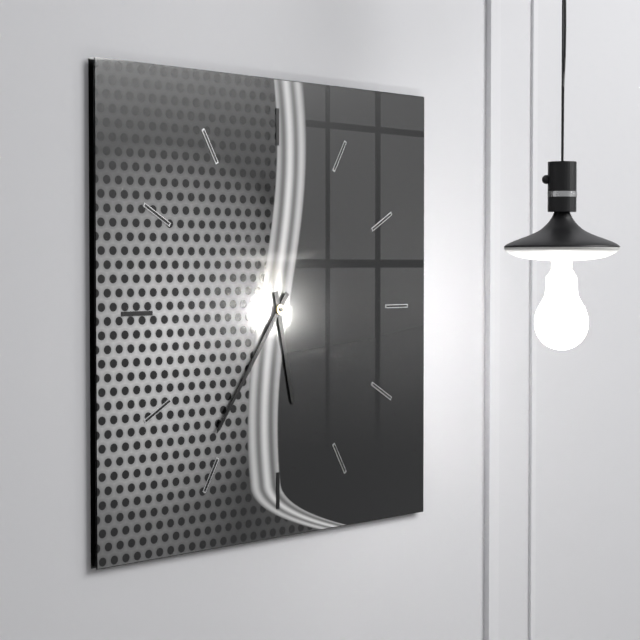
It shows {"hour": 5, "minute": 36}
